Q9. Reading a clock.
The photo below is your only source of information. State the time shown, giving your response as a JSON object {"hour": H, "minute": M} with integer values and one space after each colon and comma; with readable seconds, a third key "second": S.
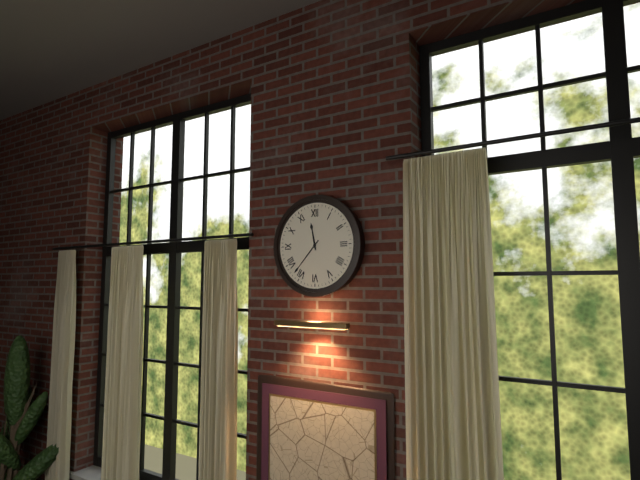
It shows {"hour": 11, "minute": 37}
